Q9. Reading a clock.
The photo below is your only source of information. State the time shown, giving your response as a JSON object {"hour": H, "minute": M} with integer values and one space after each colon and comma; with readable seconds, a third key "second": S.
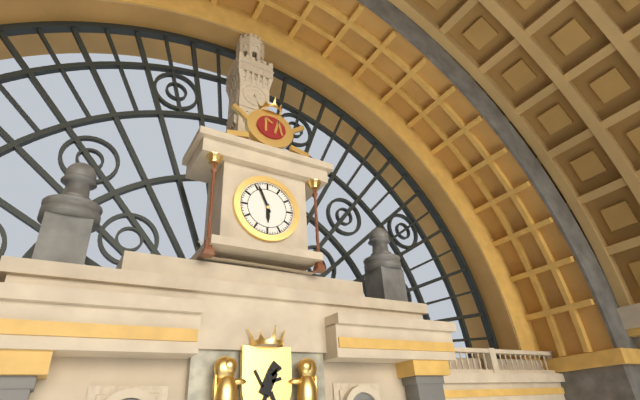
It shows {"hour": 5, "minute": 56}
